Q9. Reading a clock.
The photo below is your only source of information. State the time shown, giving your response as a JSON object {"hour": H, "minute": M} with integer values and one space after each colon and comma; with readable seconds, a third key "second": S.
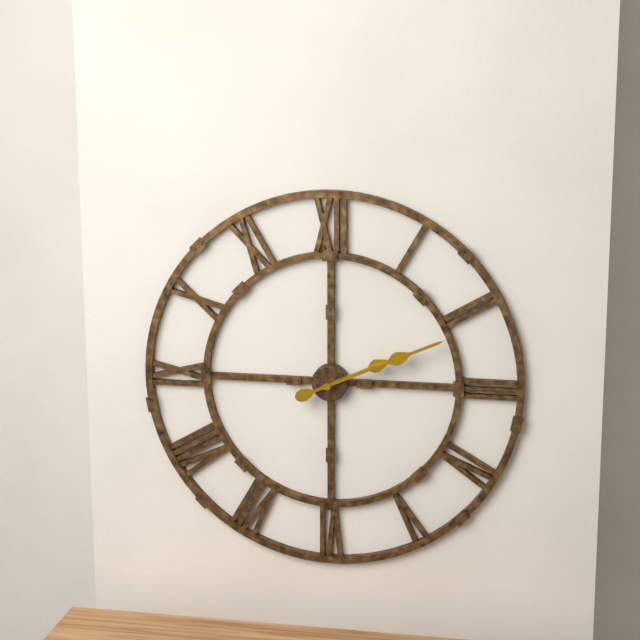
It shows {"hour": 2, "minute": 11}
